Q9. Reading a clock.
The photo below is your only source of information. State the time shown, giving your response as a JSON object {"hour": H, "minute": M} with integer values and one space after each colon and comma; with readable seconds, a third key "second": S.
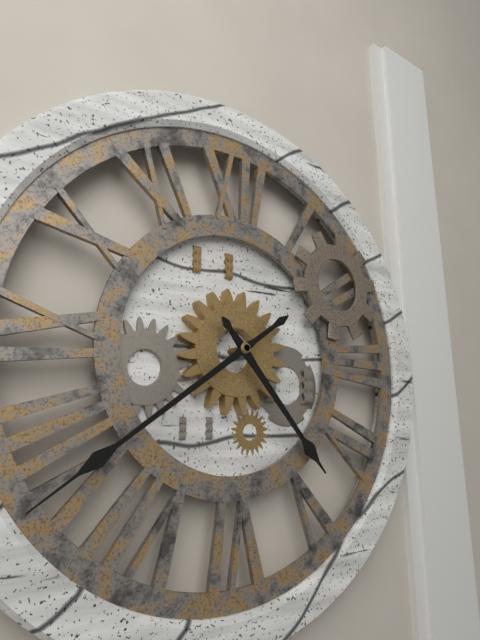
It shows {"hour": 4, "minute": 39}
